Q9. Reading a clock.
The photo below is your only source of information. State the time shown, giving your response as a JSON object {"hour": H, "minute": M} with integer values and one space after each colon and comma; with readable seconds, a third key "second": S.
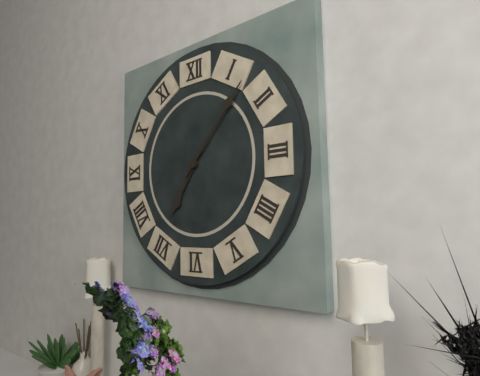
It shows {"hour": 7, "minute": 7}
